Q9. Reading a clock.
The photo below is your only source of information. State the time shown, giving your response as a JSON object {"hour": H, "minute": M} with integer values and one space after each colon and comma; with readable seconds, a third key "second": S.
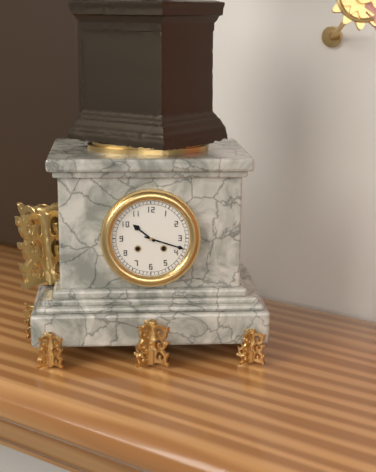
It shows {"hour": 10, "minute": 18}
